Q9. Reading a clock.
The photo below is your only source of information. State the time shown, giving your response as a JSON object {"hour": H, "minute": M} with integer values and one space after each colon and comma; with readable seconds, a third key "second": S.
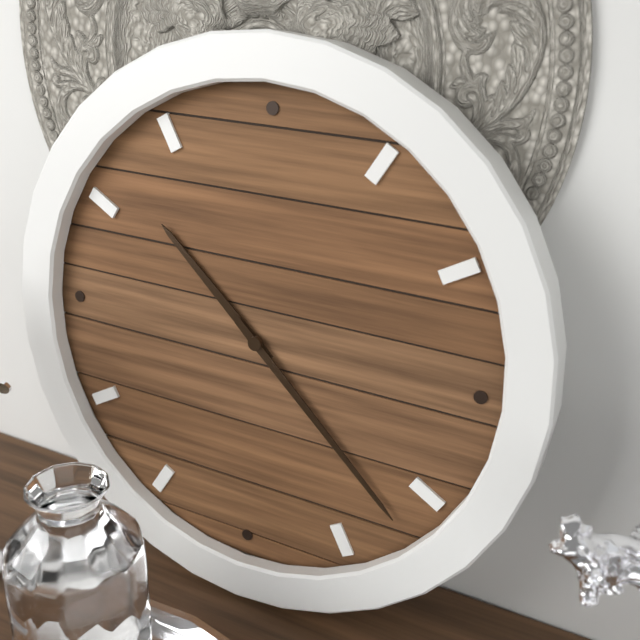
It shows {"hour": 10, "minute": 22}
